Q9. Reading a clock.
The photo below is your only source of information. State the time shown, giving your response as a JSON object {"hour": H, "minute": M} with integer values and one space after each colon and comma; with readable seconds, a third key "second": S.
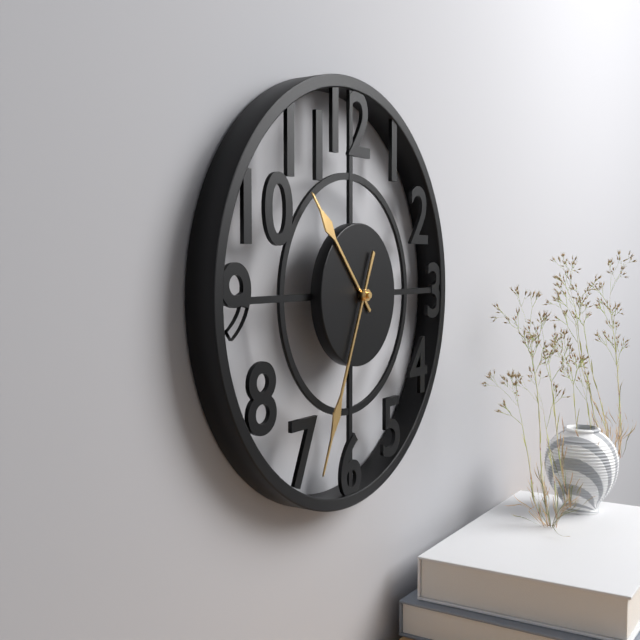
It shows {"hour": 10, "minute": 34}
